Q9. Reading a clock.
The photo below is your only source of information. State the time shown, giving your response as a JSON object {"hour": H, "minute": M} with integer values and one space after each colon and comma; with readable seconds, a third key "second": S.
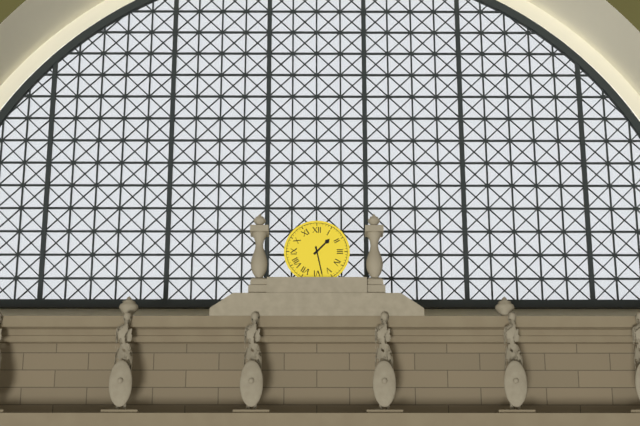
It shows {"hour": 1, "minute": 28}
